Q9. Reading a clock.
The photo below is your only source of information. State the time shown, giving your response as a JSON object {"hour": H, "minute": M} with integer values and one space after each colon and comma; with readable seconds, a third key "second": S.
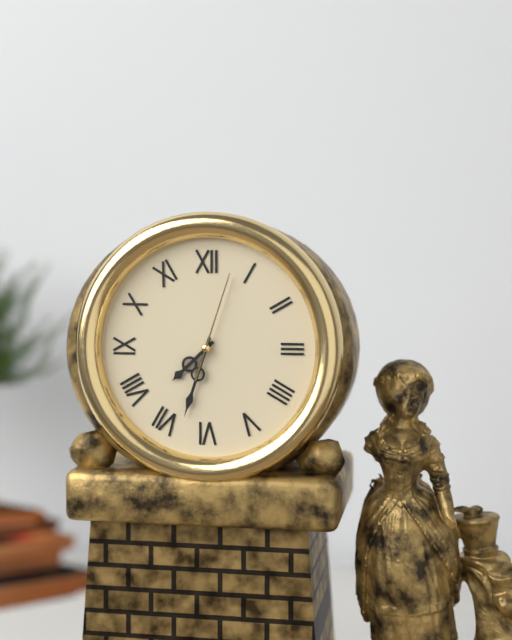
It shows {"hour": 7, "minute": 33, "second": 3}
